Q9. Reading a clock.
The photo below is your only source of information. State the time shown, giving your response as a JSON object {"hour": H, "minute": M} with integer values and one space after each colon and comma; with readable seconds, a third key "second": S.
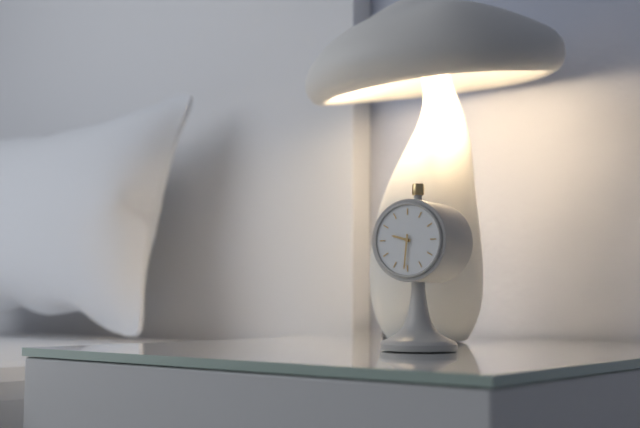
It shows {"hour": 9, "minute": 31}
